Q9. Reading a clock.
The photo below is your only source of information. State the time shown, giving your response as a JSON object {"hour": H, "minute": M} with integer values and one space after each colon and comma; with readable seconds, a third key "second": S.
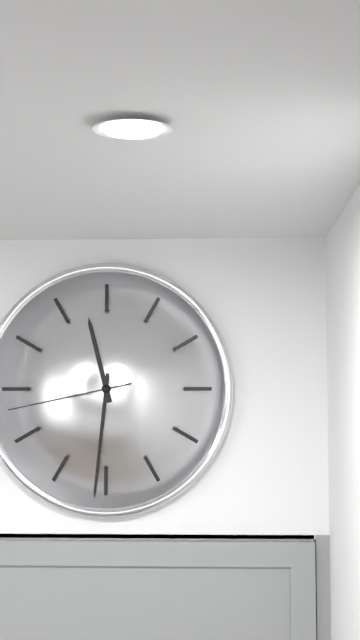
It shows {"hour": 11, "minute": 31, "second": 43}
